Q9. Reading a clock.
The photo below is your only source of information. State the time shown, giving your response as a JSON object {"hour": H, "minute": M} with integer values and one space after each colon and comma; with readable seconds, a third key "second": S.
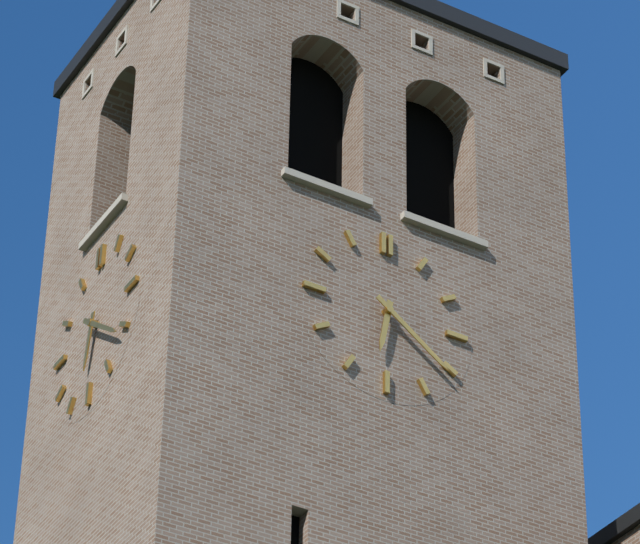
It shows {"hour": 6, "minute": 21}
